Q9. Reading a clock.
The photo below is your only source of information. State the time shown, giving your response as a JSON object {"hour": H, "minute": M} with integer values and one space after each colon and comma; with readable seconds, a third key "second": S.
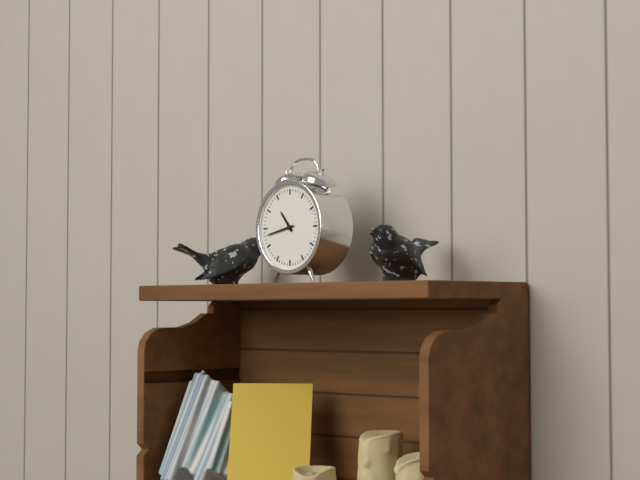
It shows {"hour": 10, "minute": 43}
